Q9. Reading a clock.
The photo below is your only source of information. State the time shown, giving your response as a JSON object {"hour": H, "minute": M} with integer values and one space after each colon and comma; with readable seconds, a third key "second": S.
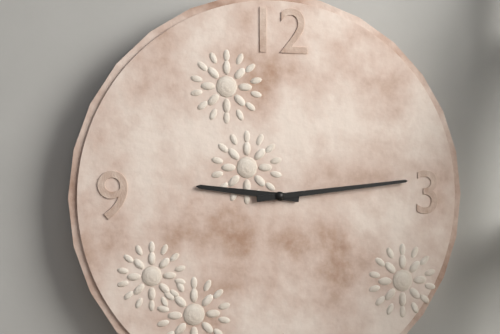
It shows {"hour": 9, "minute": 14}
